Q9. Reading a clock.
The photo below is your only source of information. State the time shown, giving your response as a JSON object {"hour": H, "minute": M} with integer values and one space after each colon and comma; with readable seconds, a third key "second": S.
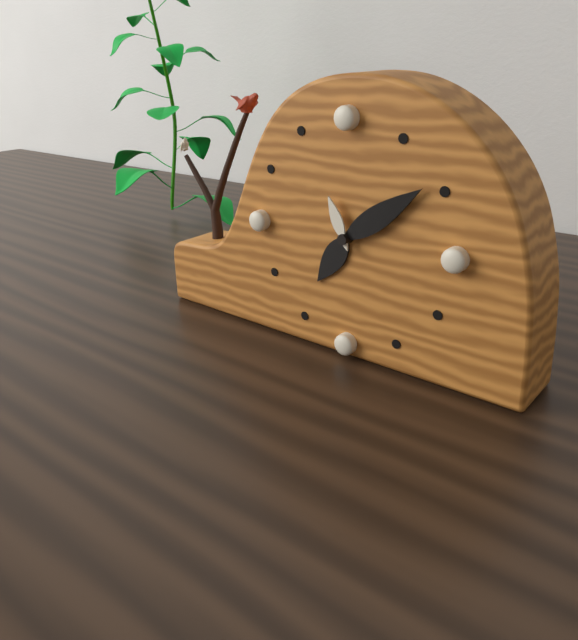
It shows {"hour": 7, "minute": 9, "second": 56}
